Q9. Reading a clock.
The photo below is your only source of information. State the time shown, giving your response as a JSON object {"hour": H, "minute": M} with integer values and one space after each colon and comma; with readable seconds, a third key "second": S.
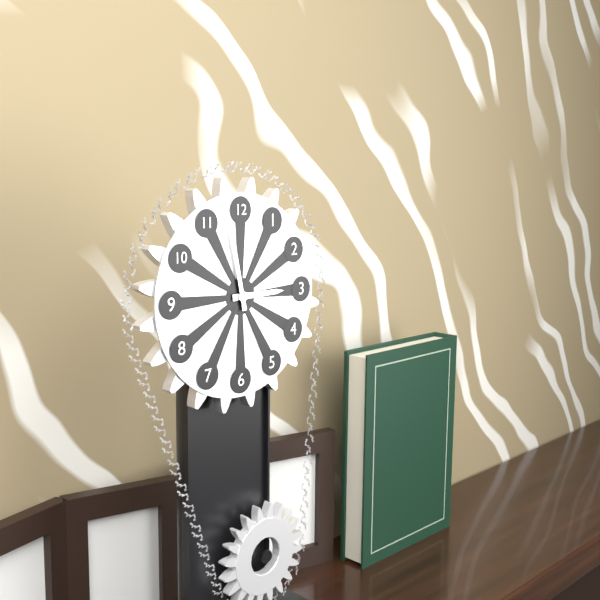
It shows {"hour": 2, "minute": 58}
